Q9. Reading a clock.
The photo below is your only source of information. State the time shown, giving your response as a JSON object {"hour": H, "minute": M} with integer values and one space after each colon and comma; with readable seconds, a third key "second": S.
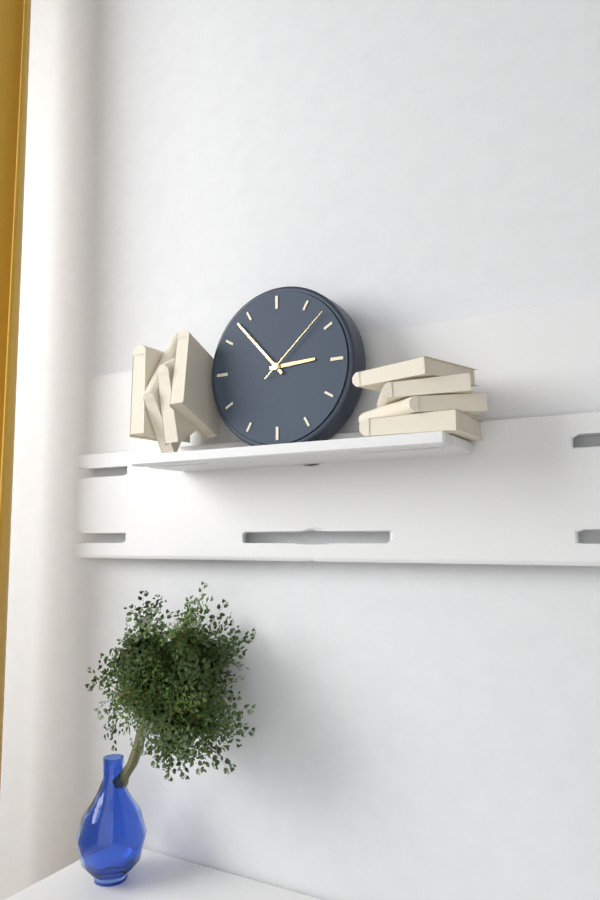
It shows {"hour": 2, "minute": 53, "second": 8}
